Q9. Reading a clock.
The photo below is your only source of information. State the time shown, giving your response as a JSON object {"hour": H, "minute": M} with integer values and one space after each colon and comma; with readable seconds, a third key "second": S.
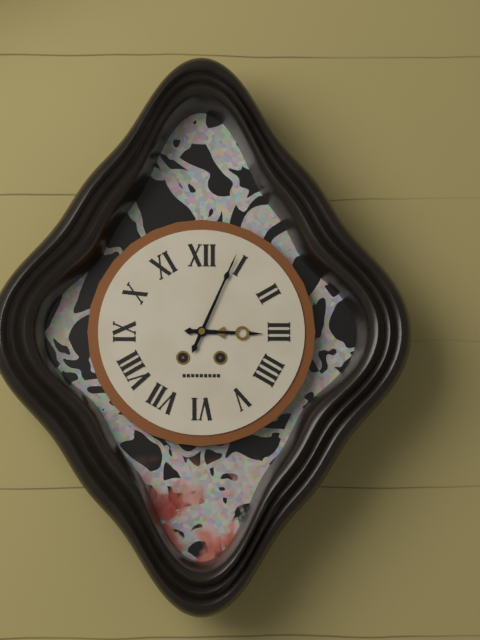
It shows {"hour": 3, "minute": 4}
